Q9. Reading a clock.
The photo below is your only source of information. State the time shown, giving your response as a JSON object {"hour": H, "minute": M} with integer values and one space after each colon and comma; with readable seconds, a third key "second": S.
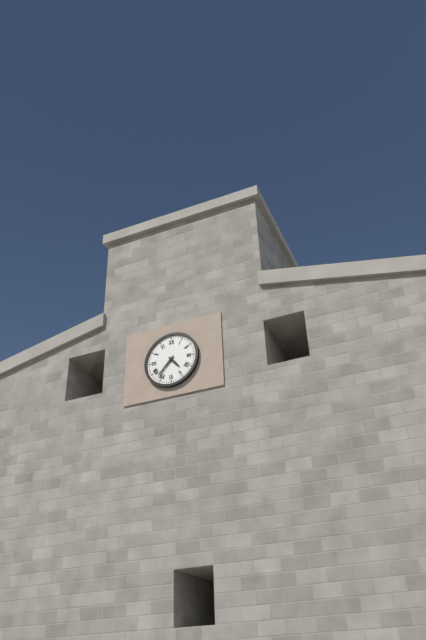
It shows {"hour": 4, "minute": 37}
